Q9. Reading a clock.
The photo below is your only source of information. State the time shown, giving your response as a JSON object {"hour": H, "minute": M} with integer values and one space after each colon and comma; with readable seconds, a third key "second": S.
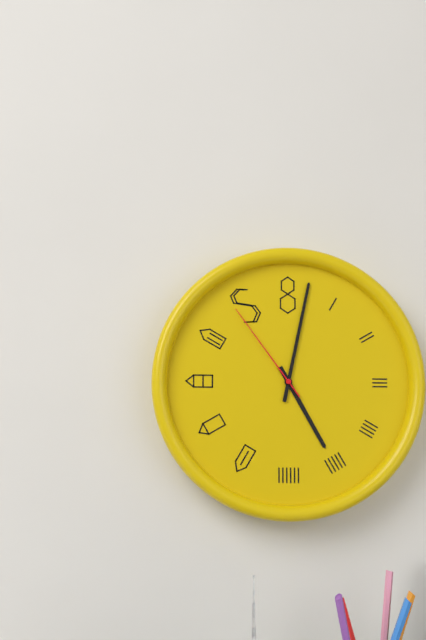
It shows {"hour": 5, "minute": 2, "second": 54}
